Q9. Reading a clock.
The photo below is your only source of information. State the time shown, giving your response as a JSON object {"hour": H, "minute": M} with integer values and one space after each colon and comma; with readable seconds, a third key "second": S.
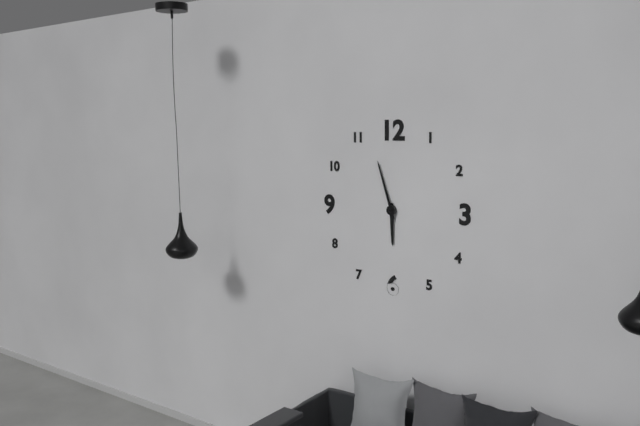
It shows {"hour": 5, "minute": 57}
